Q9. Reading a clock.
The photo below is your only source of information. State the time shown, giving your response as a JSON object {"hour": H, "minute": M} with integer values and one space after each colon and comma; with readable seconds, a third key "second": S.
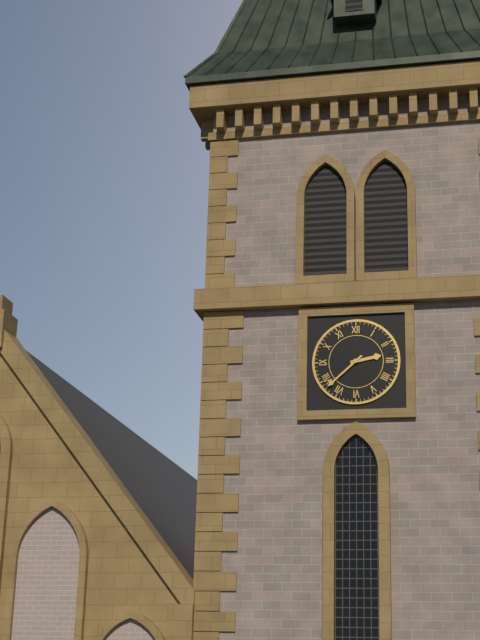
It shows {"hour": 2, "minute": 38}
